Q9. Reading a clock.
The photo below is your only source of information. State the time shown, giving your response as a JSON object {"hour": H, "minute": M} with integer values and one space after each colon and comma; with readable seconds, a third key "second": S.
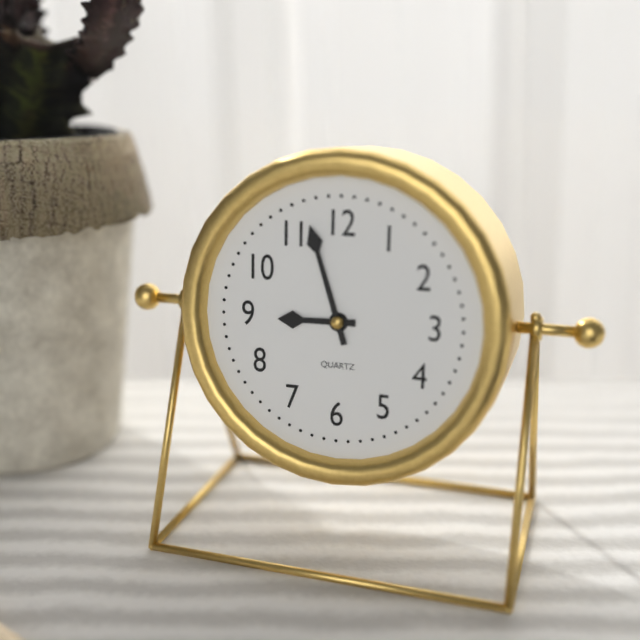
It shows {"hour": 8, "minute": 57}
